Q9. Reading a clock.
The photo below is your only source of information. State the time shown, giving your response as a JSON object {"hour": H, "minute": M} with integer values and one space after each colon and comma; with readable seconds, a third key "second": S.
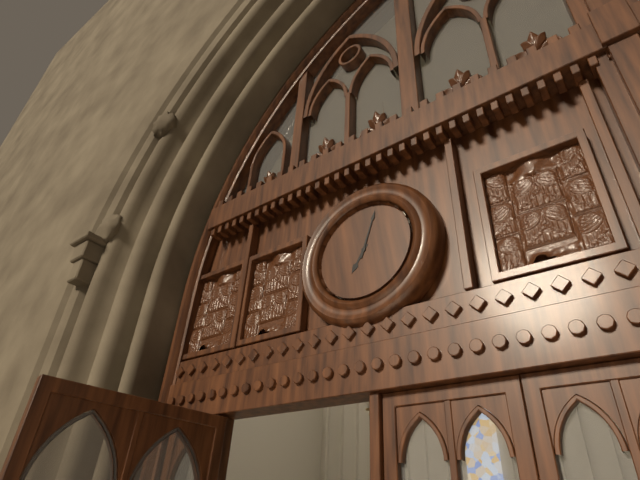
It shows {"hour": 7, "minute": 3}
